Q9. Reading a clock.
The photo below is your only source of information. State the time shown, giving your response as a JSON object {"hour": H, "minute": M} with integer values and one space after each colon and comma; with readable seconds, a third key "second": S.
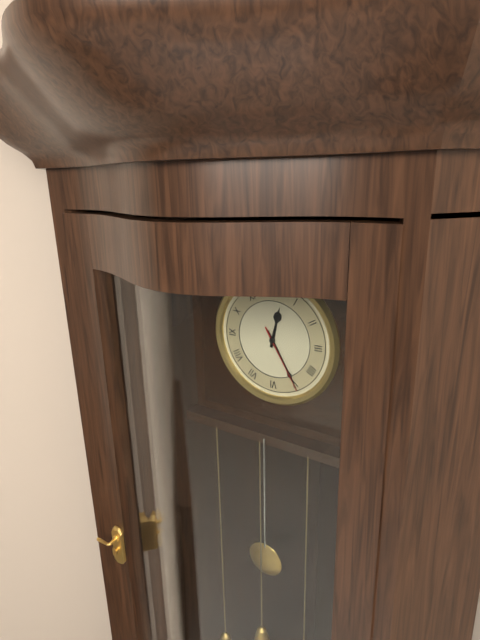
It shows {"hour": 12, "minute": 25, "second": 25}
